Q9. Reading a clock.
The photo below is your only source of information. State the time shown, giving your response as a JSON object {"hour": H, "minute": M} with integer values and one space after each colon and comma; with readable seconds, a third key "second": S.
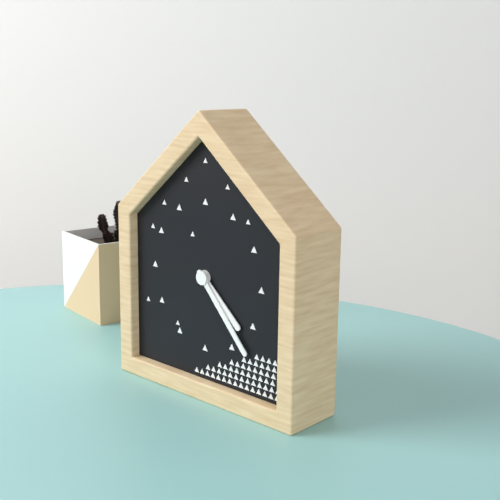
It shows {"hour": 4, "minute": 23}
